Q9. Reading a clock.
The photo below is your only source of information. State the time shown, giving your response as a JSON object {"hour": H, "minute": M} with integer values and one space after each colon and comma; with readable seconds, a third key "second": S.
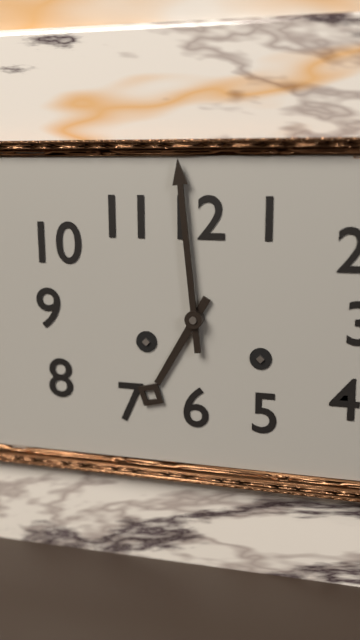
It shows {"hour": 6, "minute": 59}
